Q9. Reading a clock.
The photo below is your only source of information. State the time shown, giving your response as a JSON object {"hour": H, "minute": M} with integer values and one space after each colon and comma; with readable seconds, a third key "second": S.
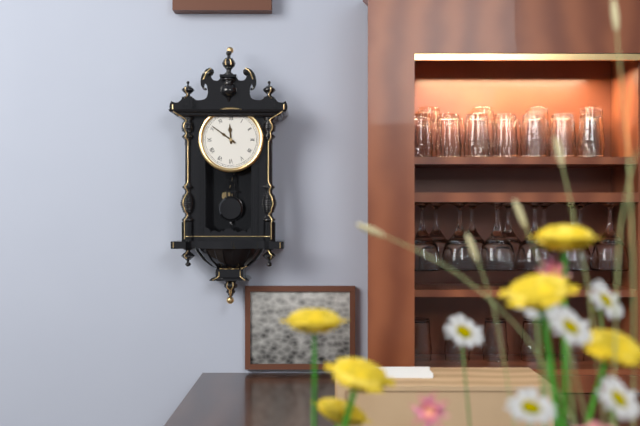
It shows {"hour": 11, "minute": 51}
